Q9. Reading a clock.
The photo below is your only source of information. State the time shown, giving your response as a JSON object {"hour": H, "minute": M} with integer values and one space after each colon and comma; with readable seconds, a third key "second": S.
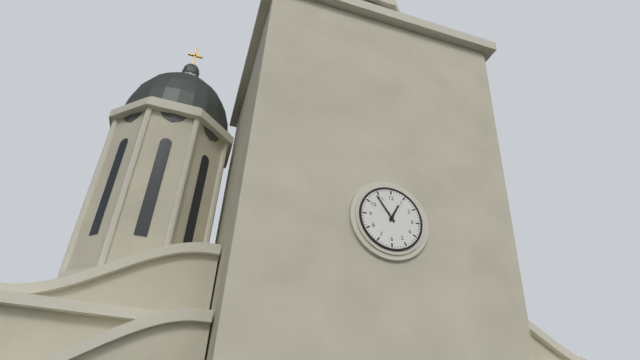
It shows {"hour": 12, "minute": 54}
